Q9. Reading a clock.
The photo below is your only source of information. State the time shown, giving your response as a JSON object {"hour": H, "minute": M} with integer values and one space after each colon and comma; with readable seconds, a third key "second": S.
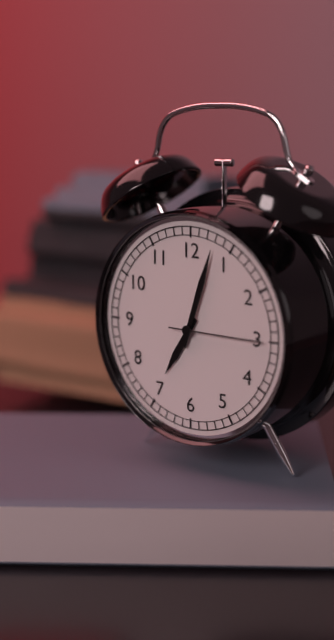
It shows {"hour": 7, "minute": 3, "second": 15}
